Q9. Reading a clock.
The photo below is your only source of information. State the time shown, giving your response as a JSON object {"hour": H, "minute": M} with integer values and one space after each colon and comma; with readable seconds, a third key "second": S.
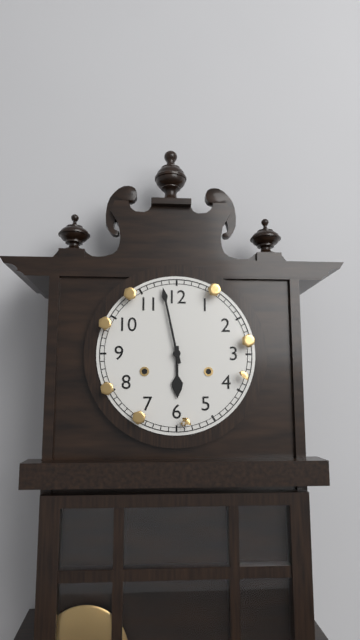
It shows {"hour": 5, "minute": 58}
